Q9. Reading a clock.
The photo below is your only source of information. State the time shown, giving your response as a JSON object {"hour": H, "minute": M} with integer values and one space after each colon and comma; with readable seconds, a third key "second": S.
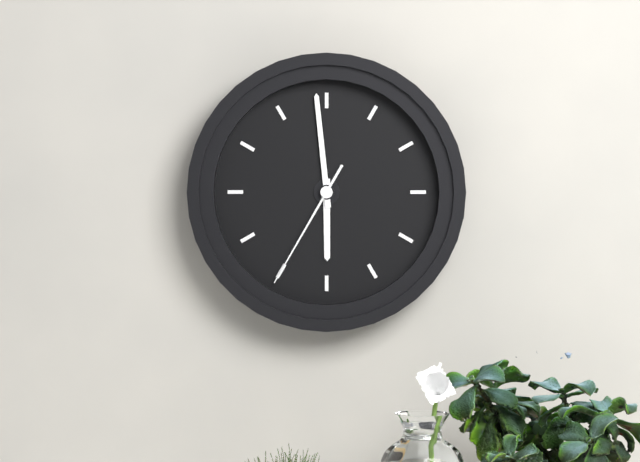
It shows {"hour": 5, "minute": 59, "second": 35}
